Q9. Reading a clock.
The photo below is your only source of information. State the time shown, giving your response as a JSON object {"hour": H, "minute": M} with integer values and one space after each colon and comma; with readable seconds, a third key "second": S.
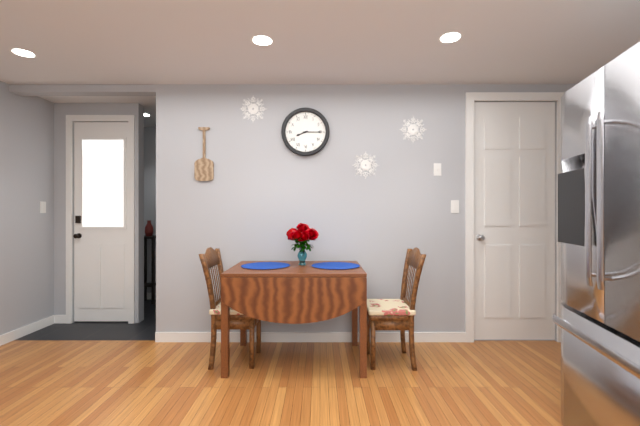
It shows {"hour": 8, "minute": 15}
